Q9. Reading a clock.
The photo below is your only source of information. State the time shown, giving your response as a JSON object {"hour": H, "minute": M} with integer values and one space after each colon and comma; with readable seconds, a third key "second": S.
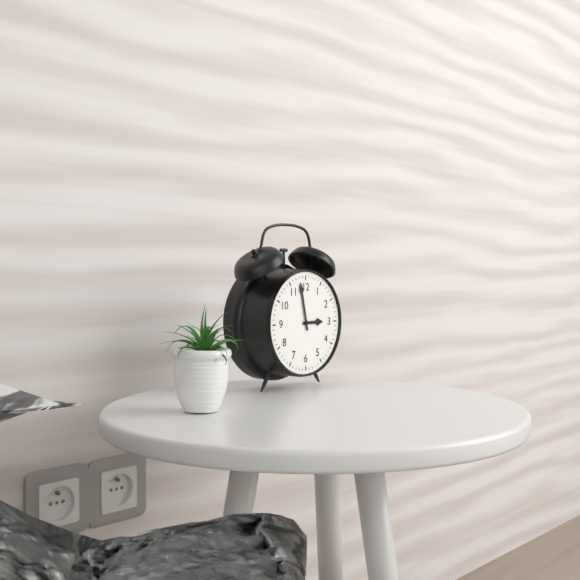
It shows {"hour": 2, "minute": 58}
